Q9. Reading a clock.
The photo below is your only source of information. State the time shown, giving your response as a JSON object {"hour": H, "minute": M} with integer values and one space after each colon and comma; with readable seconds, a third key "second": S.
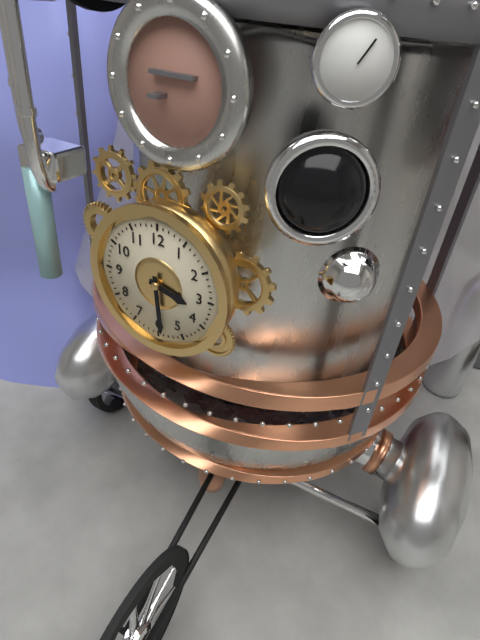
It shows {"hour": 3, "minute": 29}
